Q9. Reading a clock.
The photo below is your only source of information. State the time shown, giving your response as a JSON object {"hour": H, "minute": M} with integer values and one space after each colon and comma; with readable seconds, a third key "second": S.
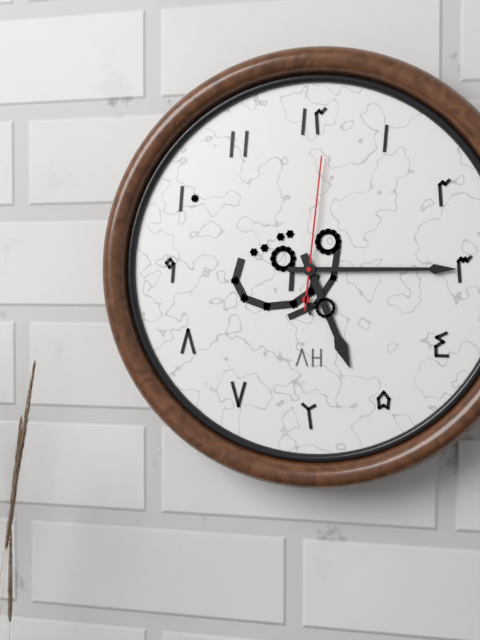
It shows {"hour": 5, "minute": 15, "second": 1}
